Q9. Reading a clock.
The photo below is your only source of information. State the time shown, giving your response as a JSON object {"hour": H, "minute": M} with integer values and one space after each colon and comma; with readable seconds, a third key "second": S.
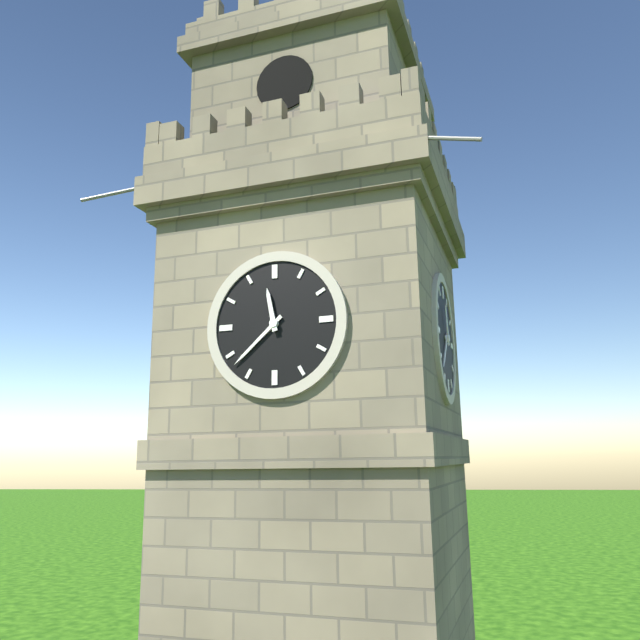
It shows {"hour": 11, "minute": 38}
